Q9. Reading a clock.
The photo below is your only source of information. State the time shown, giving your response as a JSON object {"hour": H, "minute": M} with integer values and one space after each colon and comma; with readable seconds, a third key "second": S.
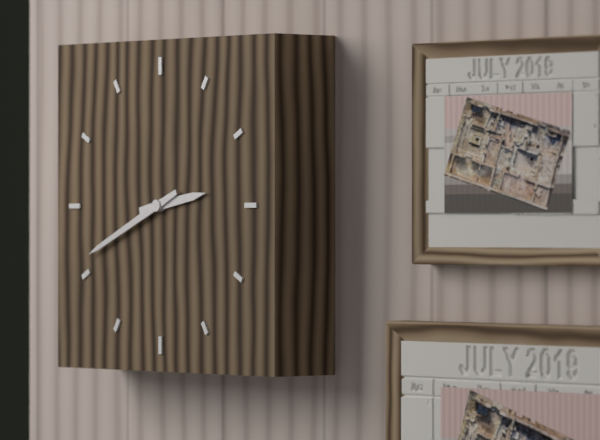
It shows {"hour": 2, "minute": 41}
